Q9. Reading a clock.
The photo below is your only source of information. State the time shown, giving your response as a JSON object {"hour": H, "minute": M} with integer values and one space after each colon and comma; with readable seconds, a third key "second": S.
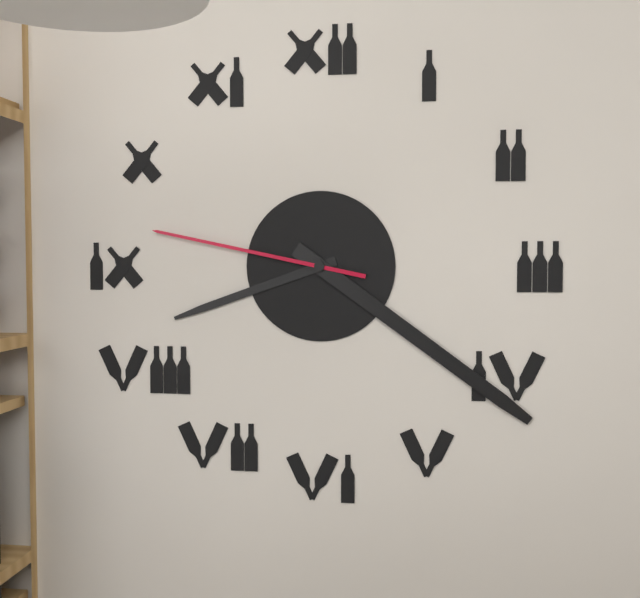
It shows {"hour": 8, "minute": 21, "second": 47}
